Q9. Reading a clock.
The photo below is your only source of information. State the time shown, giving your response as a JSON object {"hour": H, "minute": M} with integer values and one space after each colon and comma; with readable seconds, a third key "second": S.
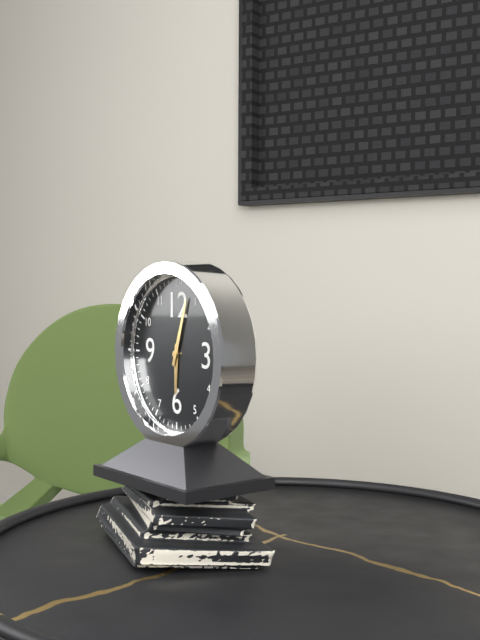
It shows {"hour": 6, "minute": 3}
